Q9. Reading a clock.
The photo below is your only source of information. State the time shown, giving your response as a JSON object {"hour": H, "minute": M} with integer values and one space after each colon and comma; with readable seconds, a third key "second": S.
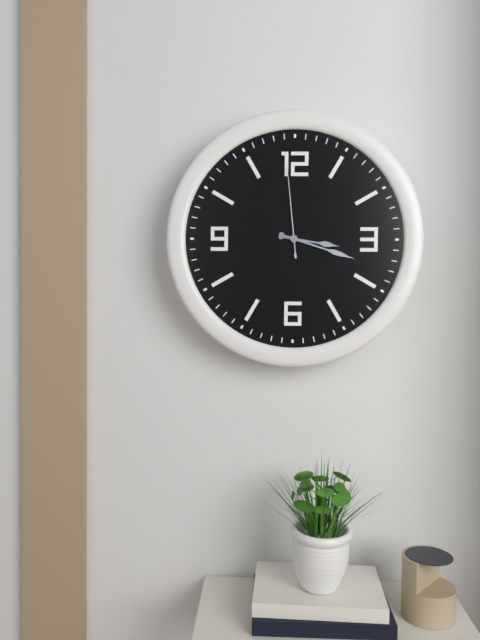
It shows {"hour": 3, "minute": 18, "second": 59}
